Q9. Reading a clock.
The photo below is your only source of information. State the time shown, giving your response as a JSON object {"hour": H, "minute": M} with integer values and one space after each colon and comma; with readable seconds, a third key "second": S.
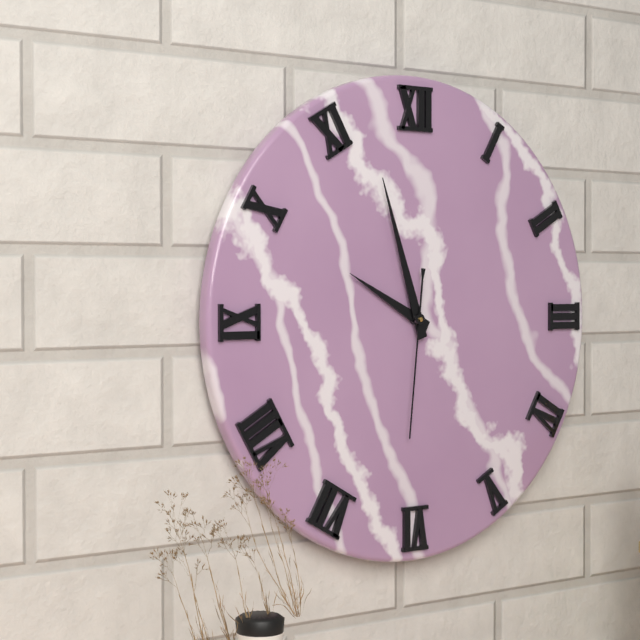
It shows {"hour": 9, "minute": 57, "second": 31}
